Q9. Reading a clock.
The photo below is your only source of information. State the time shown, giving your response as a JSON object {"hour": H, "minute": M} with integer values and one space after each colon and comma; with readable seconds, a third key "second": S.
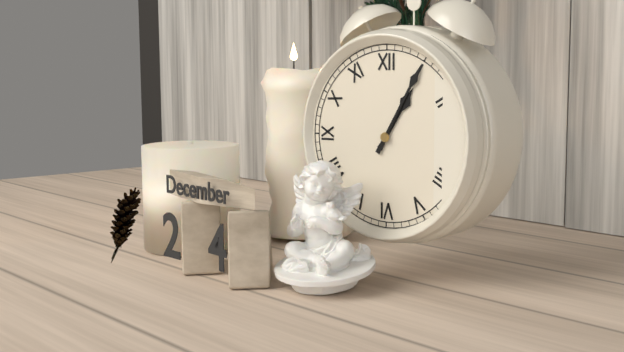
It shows {"hour": 1, "minute": 5}
